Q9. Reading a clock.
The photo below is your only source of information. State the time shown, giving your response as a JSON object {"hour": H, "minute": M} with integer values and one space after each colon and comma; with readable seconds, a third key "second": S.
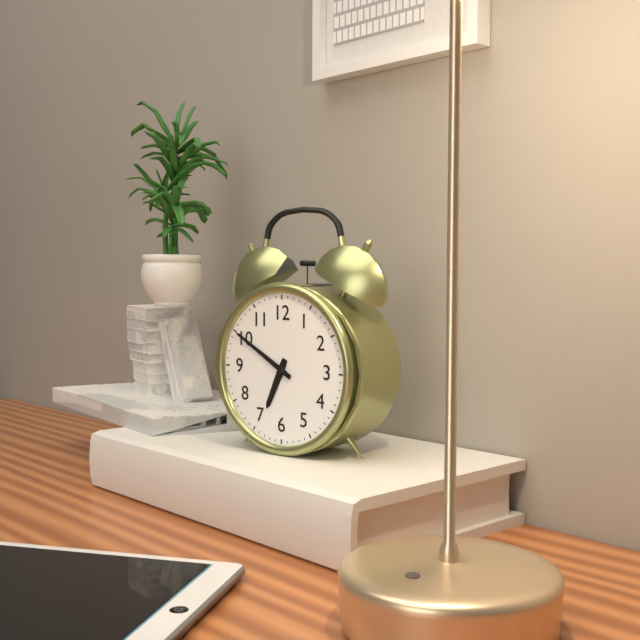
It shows {"hour": 6, "minute": 50}
